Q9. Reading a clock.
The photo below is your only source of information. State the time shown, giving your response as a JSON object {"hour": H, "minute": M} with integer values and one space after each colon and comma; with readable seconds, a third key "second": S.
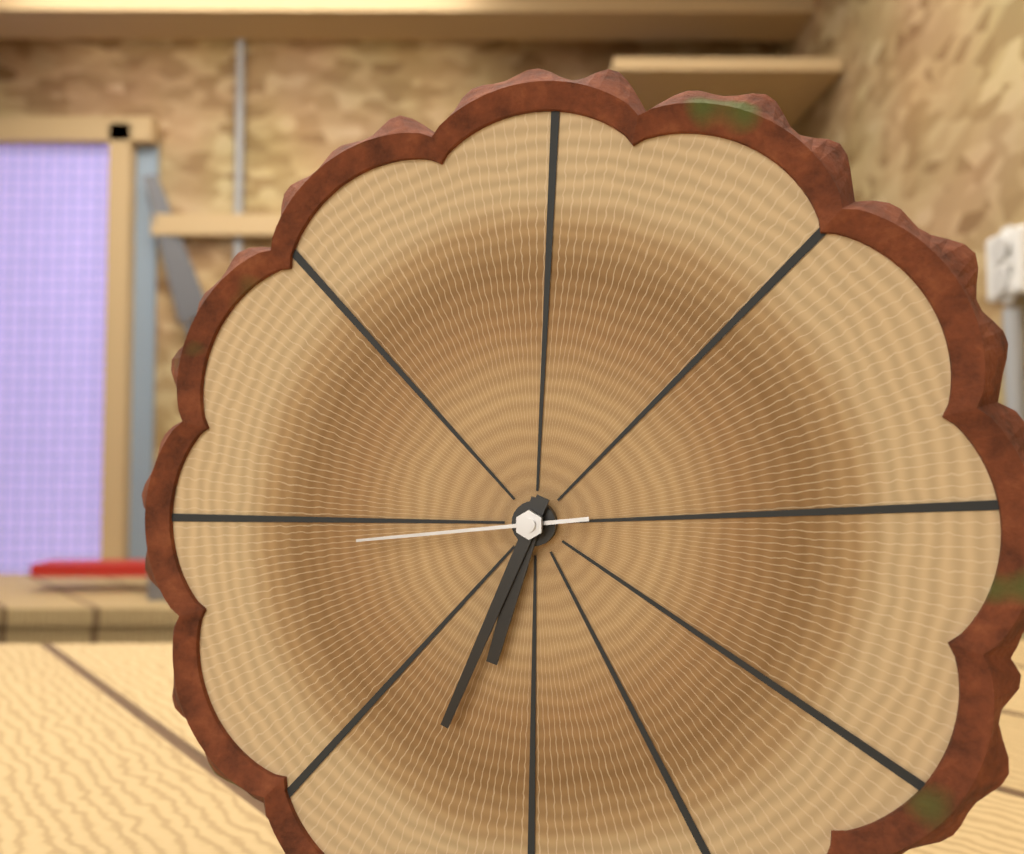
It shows {"hour": 6, "minute": 34, "second": 44}
